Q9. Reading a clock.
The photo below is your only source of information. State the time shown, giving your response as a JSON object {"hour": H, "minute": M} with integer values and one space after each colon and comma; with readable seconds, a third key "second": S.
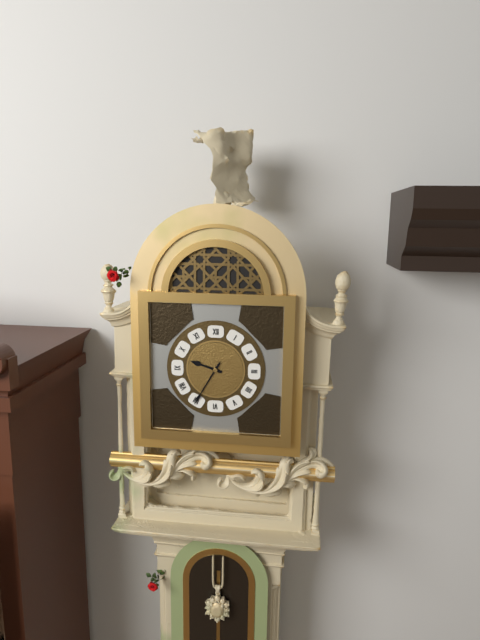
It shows {"hour": 9, "minute": 35}
